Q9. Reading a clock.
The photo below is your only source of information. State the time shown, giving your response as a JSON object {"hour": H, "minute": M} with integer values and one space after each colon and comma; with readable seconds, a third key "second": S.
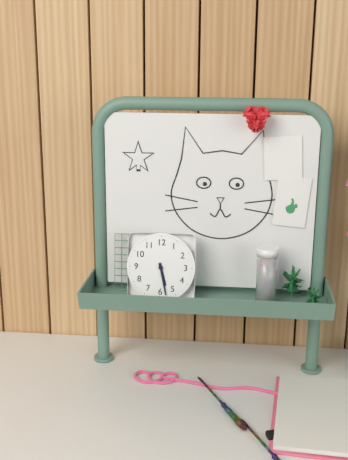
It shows {"hour": 5, "minute": 28}
